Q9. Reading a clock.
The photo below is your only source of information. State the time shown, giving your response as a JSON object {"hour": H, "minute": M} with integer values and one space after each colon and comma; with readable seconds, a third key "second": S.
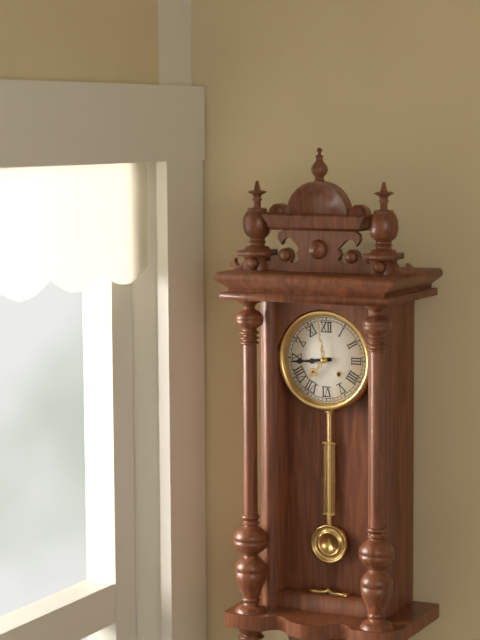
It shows {"hour": 8, "minute": 44}
